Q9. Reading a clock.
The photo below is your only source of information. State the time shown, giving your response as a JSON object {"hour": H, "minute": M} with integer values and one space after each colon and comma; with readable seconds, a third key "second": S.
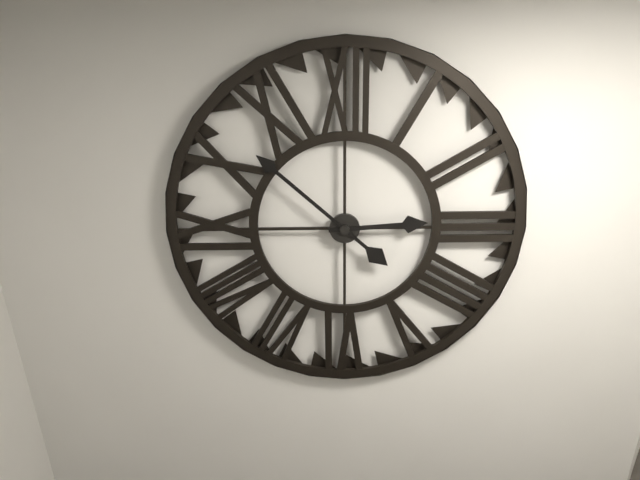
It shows {"hour": 2, "minute": 52}
